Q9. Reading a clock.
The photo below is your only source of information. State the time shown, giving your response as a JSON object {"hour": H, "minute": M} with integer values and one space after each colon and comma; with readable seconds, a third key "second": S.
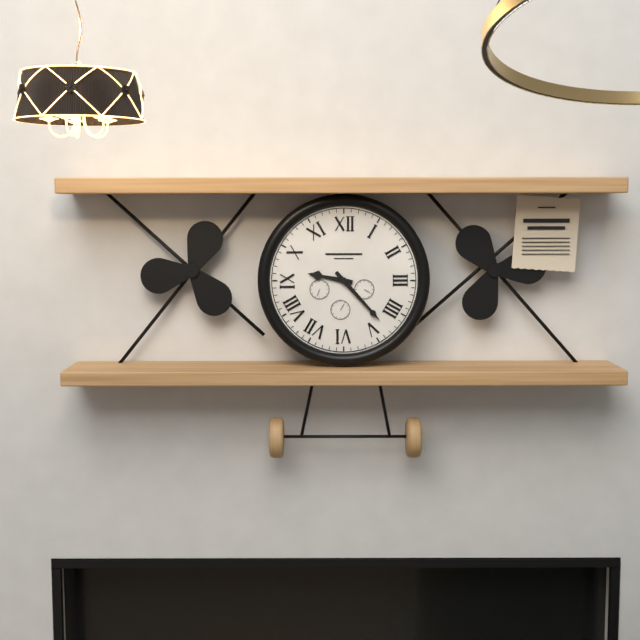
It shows {"hour": 9, "minute": 23}
